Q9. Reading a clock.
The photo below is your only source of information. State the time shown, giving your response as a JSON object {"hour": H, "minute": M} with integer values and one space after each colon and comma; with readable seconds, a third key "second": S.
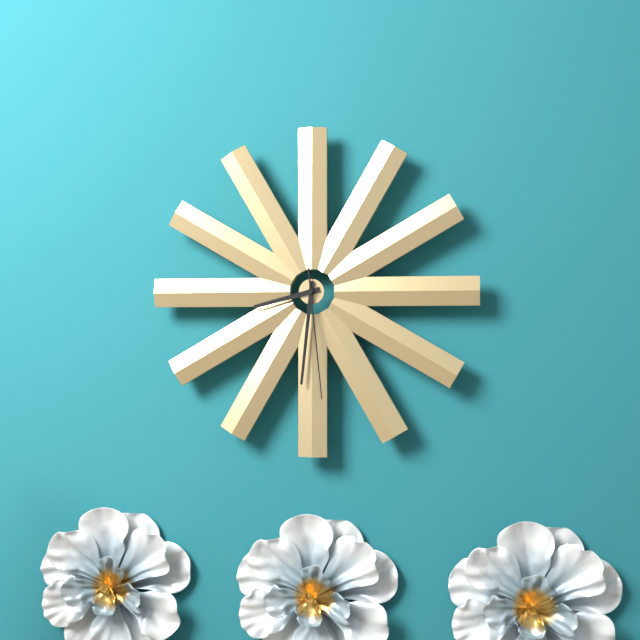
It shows {"hour": 8, "minute": 31, "second": 29}
